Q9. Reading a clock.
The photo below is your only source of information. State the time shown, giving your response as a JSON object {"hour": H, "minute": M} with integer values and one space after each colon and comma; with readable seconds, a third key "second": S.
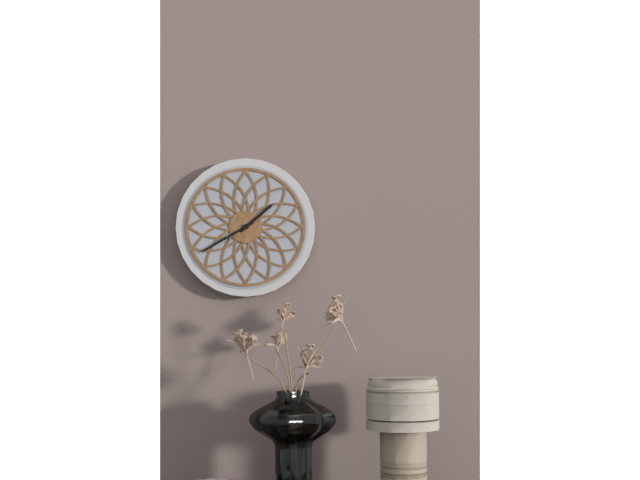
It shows {"hour": 1, "minute": 40}
